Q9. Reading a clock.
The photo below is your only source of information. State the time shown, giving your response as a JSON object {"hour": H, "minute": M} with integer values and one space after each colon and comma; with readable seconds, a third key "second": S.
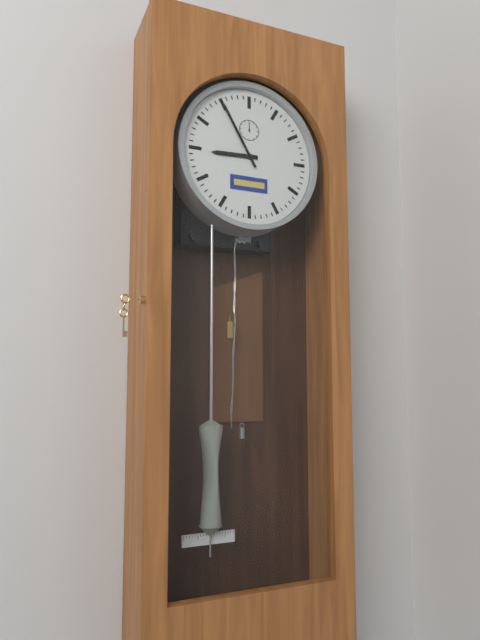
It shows {"hour": 8, "minute": 55}
